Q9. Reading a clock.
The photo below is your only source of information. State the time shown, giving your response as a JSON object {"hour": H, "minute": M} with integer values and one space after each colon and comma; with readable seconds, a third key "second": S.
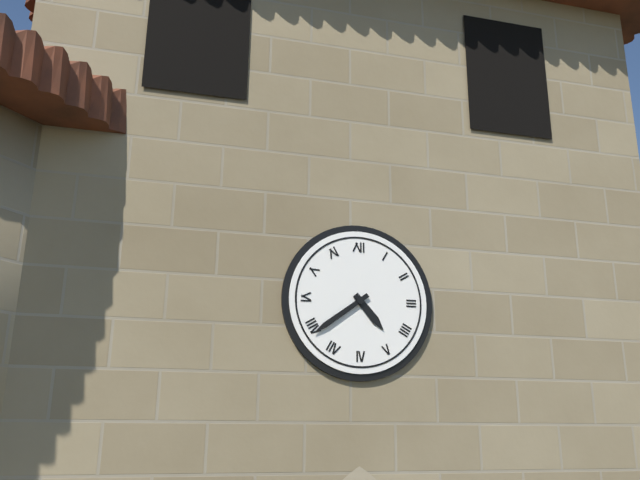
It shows {"hour": 4, "minute": 39}
